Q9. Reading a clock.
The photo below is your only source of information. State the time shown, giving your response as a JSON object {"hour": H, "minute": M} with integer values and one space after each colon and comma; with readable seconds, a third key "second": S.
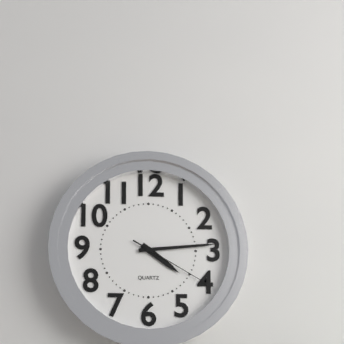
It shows {"hour": 4, "minute": 14, "second": 20}
